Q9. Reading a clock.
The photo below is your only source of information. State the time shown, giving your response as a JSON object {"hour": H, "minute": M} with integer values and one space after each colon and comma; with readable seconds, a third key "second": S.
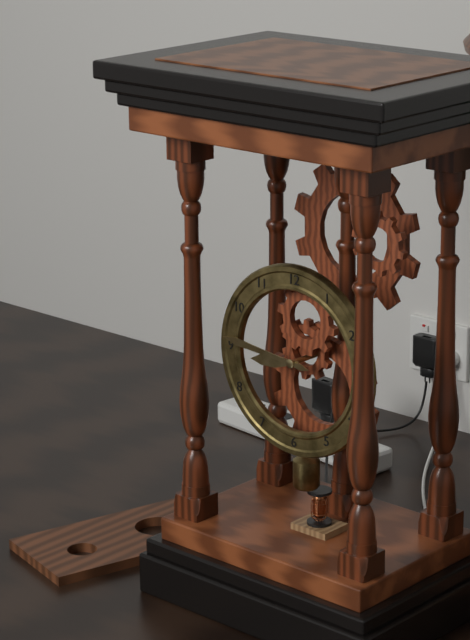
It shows {"hour": 8, "minute": 46}
